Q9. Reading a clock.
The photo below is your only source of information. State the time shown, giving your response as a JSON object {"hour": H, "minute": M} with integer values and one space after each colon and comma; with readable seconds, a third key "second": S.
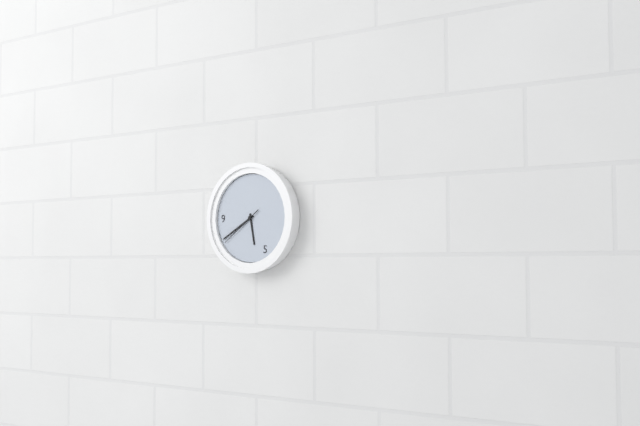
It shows {"hour": 5, "minute": 40}
